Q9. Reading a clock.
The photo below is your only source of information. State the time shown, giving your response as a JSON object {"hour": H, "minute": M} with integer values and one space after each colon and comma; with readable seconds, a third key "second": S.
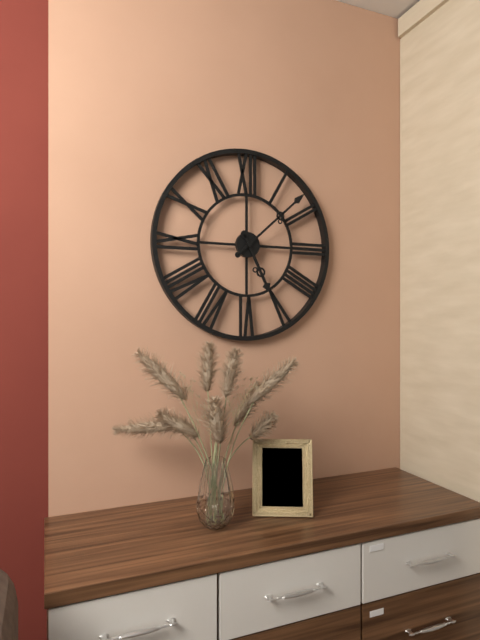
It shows {"hour": 5, "minute": 8}
